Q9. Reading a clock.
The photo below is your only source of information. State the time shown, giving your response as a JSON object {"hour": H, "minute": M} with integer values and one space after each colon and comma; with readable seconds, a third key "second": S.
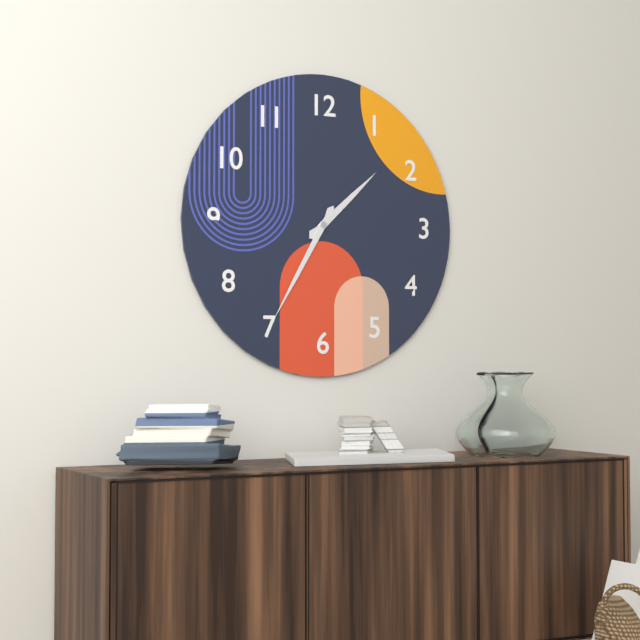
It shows {"hour": 1, "minute": 35}
